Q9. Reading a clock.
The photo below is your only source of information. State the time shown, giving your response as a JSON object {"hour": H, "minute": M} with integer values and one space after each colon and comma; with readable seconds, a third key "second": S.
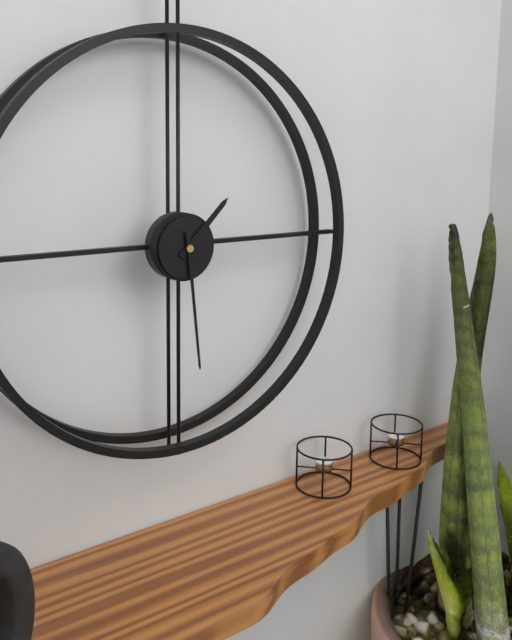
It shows {"hour": 1, "minute": 29}
